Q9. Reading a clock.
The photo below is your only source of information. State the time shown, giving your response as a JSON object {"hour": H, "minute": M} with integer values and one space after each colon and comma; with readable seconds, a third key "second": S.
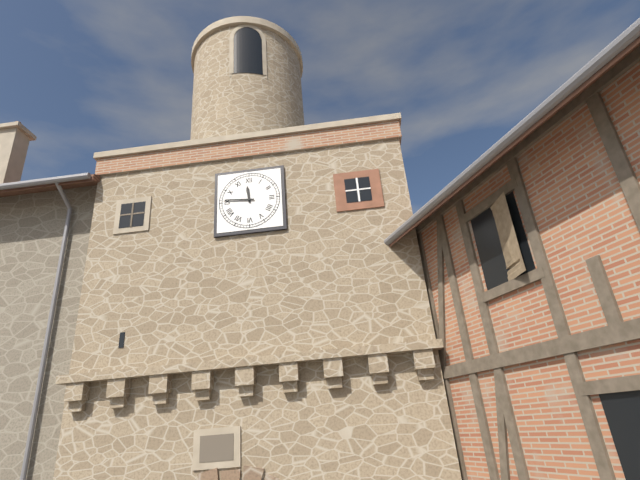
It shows {"hour": 11, "minute": 46}
